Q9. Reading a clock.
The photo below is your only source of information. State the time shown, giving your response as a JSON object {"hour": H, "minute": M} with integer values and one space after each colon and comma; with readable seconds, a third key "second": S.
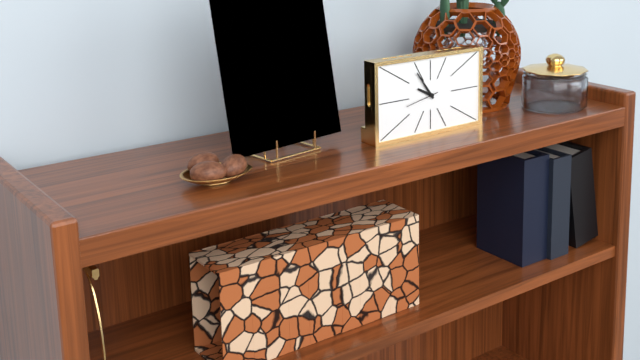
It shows {"hour": 9, "minute": 54}
